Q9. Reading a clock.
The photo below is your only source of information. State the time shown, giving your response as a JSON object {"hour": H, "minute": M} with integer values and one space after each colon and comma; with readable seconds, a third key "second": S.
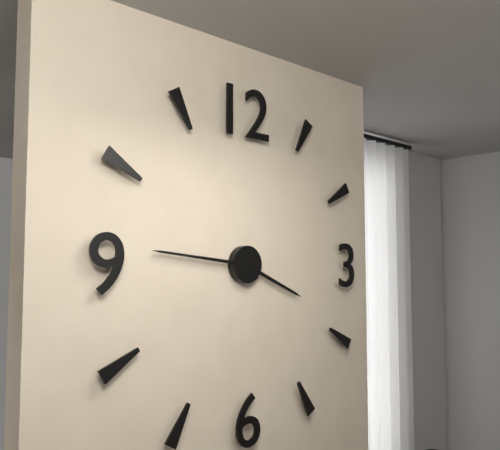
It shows {"hour": 3, "minute": 46}
